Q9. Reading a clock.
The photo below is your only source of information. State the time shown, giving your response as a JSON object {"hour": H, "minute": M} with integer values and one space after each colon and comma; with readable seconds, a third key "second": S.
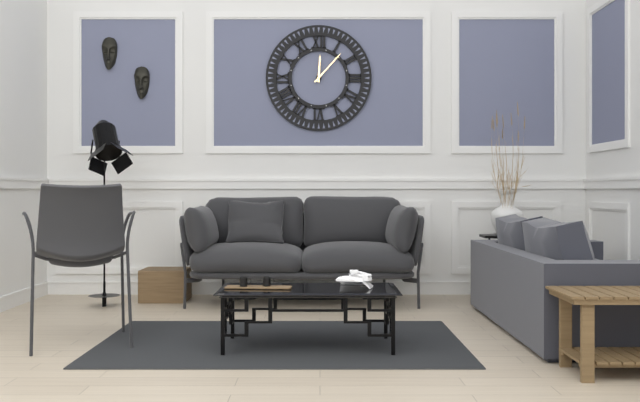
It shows {"hour": 12, "minute": 7}
